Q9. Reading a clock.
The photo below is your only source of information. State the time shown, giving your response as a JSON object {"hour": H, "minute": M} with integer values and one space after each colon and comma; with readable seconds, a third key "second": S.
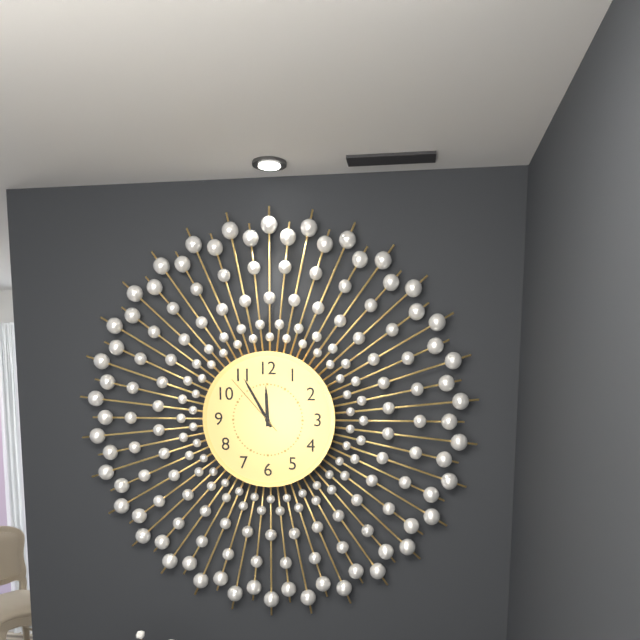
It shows {"hour": 11, "minute": 55, "second": 53}
